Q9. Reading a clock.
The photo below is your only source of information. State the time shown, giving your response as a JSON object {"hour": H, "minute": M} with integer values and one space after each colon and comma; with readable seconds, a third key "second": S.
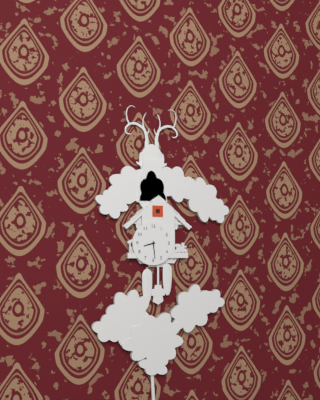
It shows {"hour": 8, "minute": 29}
